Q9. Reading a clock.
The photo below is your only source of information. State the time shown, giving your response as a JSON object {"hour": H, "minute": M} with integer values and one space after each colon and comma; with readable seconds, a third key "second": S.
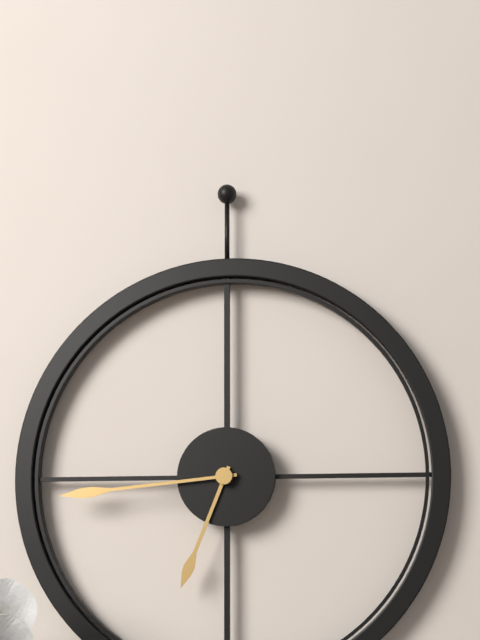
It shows {"hour": 6, "minute": 44}
